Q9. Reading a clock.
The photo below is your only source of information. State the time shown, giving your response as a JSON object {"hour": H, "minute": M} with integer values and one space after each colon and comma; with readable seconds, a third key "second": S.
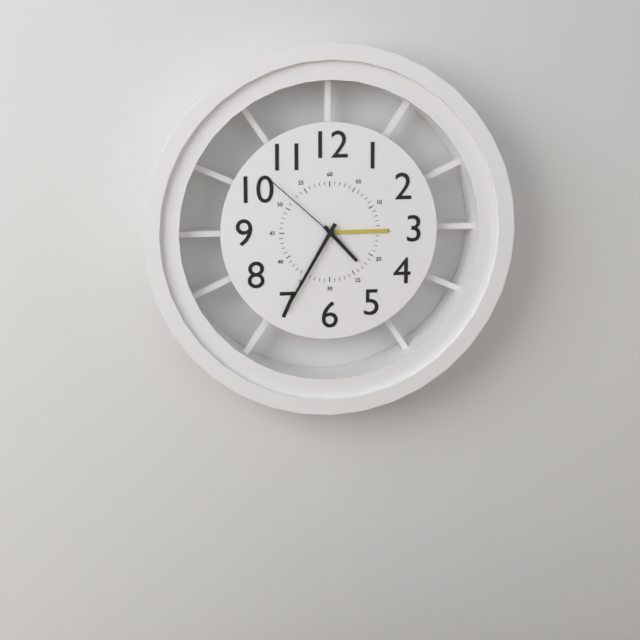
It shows {"hour": 4, "minute": 35, "second": 52}
